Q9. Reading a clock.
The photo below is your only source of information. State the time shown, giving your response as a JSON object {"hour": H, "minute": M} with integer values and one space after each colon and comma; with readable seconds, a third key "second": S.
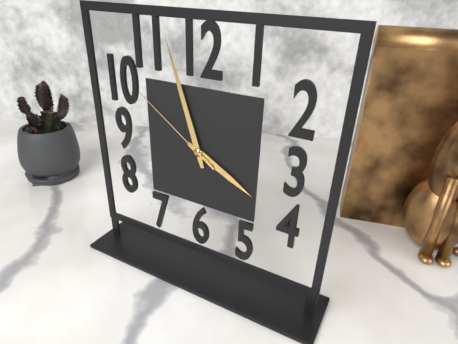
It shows {"hour": 3, "minute": 57, "second": 51}
